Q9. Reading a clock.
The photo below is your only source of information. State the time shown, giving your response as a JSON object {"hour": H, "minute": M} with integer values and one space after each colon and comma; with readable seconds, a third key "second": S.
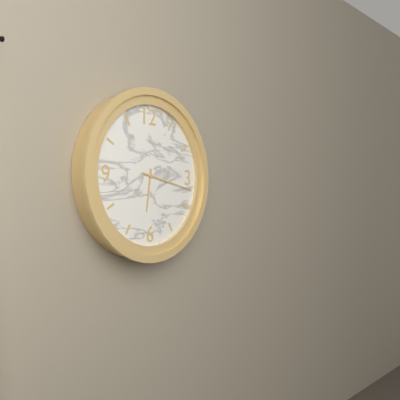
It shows {"hour": 6, "minute": 17}
